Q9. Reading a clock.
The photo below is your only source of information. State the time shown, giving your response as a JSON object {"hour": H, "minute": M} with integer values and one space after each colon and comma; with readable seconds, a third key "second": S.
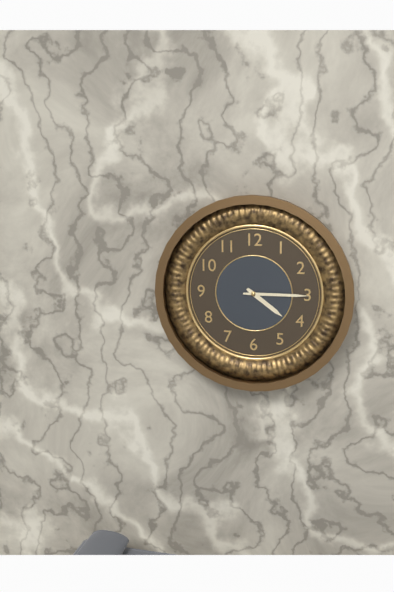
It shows {"hour": 4, "minute": 15}
